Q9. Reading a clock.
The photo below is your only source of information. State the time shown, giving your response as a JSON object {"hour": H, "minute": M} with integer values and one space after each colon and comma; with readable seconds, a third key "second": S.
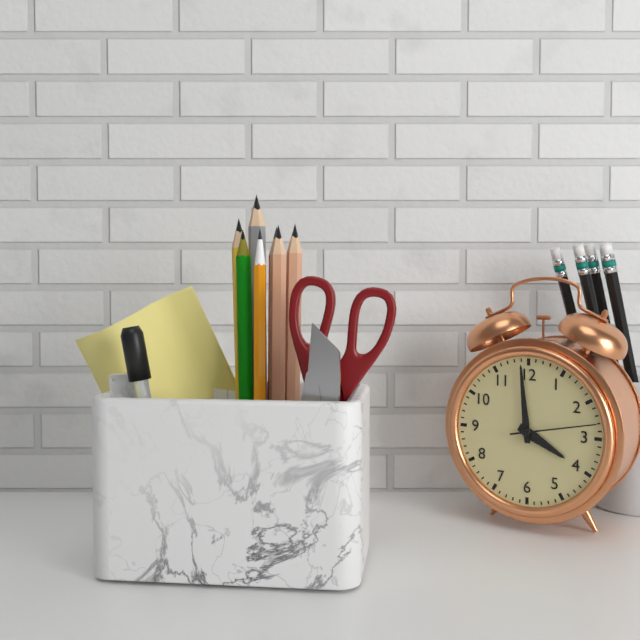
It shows {"hour": 3, "minute": 59, "second": 13}
